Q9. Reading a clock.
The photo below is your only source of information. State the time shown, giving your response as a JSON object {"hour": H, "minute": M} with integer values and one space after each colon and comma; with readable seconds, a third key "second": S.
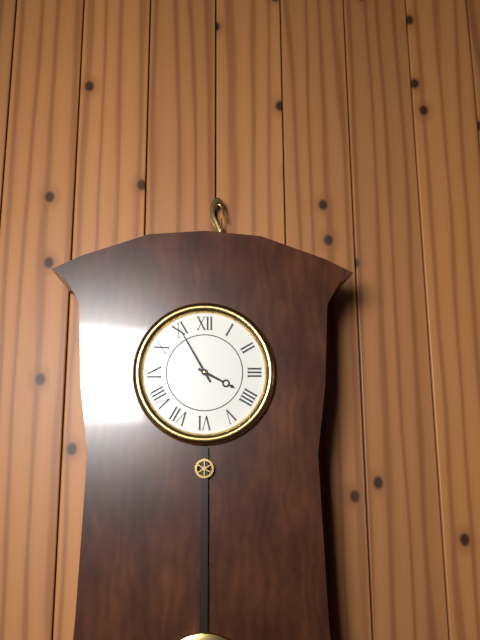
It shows {"hour": 3, "minute": 55}
